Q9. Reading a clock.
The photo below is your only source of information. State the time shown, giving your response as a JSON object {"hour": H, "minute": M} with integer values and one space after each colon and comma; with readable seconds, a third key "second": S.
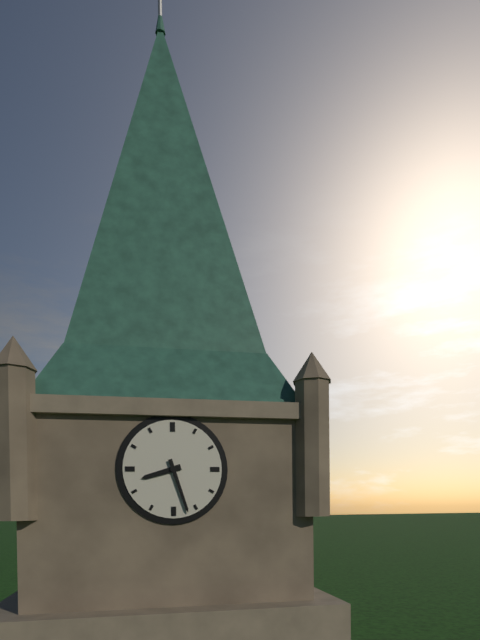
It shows {"hour": 8, "minute": 27}
